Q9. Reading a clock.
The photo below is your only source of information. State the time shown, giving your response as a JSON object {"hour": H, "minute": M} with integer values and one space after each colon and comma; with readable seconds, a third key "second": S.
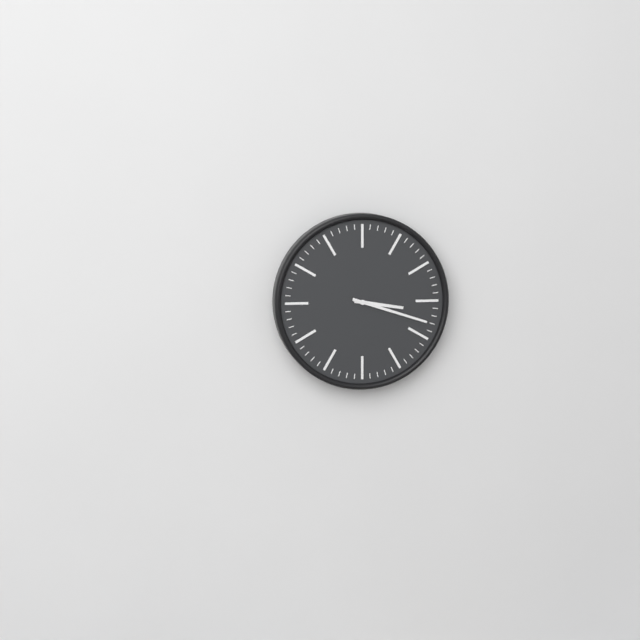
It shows {"hour": 3, "minute": 18}
